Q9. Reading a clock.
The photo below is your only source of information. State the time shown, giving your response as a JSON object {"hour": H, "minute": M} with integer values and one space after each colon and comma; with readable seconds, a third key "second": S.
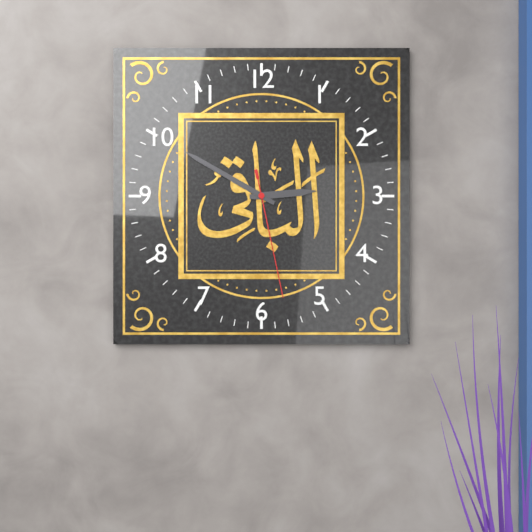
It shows {"hour": 2, "minute": 50, "second": 28}
